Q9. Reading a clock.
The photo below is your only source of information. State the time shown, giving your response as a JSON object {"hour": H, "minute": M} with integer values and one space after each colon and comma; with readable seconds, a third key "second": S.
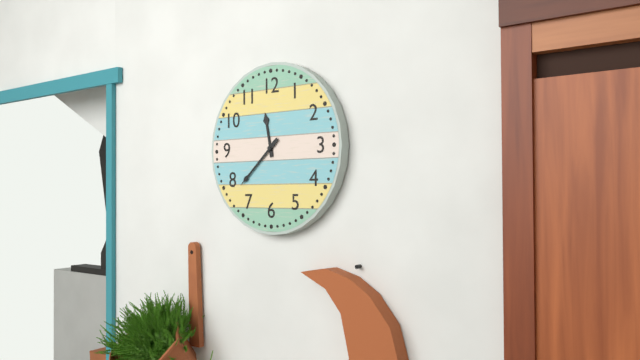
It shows {"hour": 11, "minute": 38}
